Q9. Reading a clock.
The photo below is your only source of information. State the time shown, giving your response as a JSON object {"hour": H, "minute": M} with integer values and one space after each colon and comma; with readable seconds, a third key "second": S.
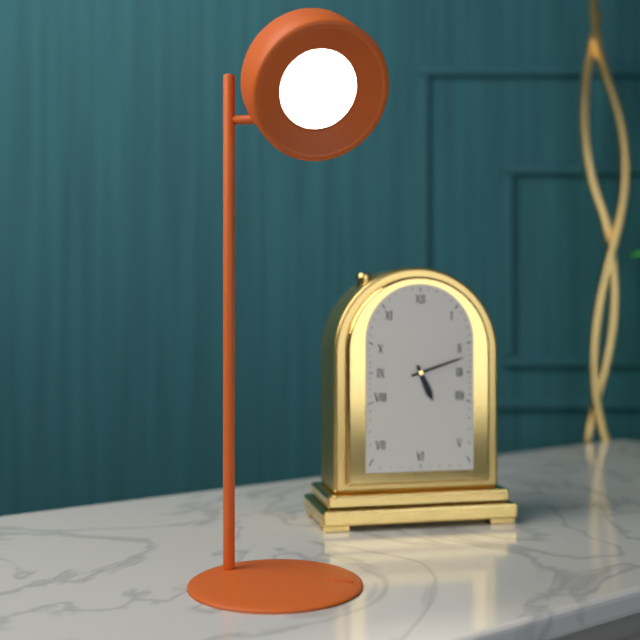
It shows {"hour": 5, "minute": 12}
